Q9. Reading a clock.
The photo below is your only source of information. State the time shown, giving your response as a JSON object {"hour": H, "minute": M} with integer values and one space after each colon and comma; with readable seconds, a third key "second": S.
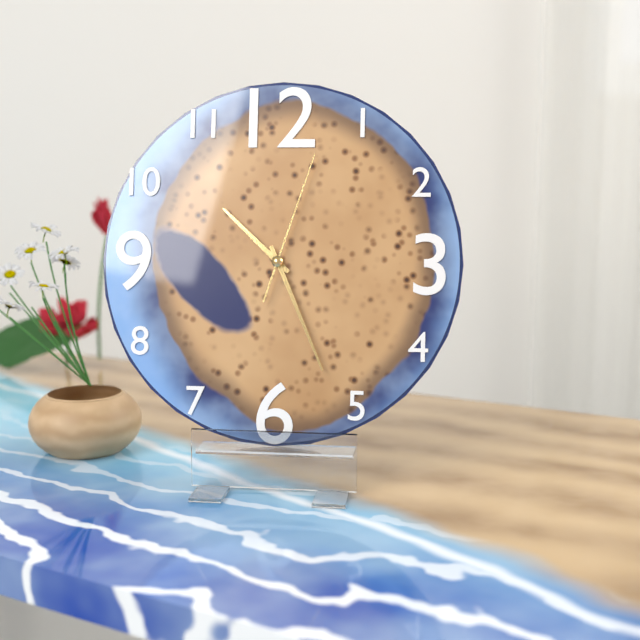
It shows {"hour": 10, "minute": 26, "second": 3}
